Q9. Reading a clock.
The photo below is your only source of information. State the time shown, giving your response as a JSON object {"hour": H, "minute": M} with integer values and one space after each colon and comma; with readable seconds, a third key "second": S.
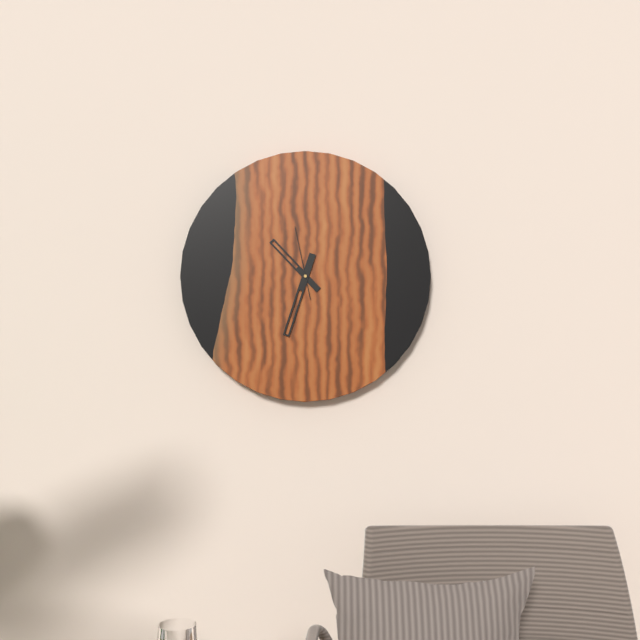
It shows {"hour": 10, "minute": 33, "second": 58}
